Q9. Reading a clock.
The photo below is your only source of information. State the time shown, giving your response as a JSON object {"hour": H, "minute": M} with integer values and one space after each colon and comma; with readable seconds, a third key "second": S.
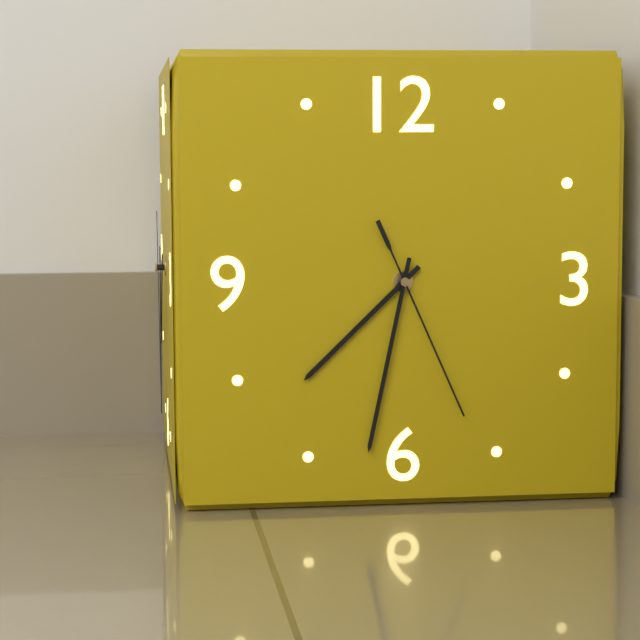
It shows {"hour": 7, "minute": 32, "second": 26}
